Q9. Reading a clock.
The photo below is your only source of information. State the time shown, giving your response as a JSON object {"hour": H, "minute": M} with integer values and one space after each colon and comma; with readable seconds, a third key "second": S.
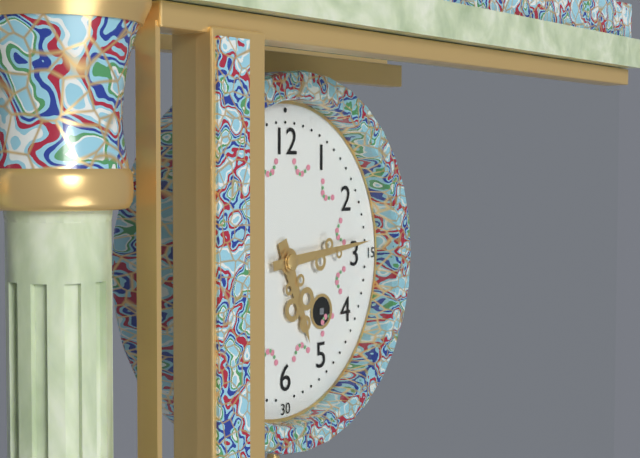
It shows {"hour": 5, "minute": 14}
